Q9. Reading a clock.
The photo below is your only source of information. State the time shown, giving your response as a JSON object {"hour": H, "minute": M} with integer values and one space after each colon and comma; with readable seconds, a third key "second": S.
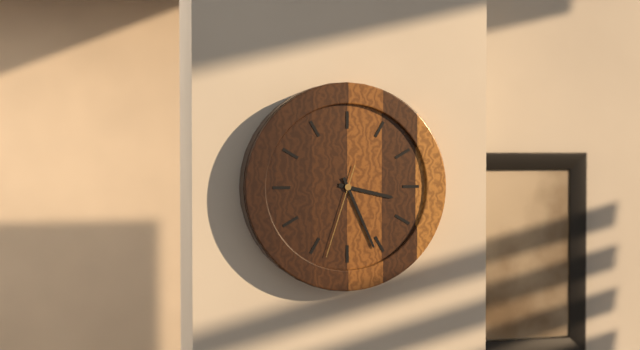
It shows {"hour": 3, "minute": 26, "second": 33}
